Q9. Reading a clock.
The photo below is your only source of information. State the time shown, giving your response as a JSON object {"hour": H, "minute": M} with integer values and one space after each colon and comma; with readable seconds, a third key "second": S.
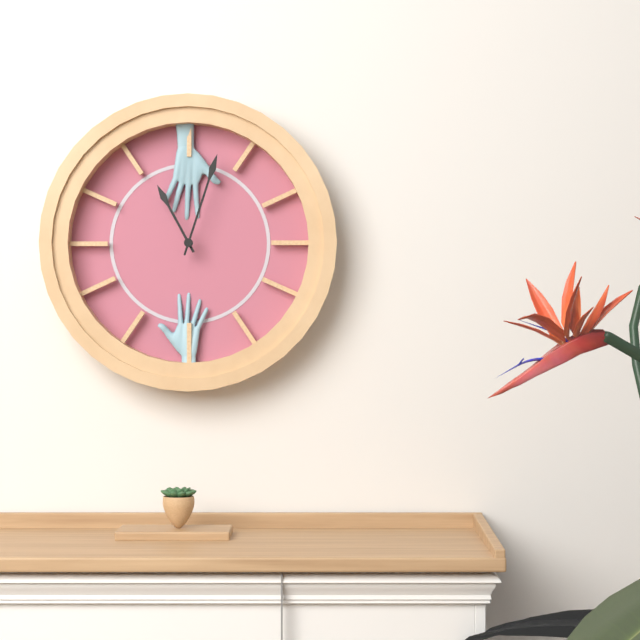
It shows {"hour": 11, "minute": 3}
